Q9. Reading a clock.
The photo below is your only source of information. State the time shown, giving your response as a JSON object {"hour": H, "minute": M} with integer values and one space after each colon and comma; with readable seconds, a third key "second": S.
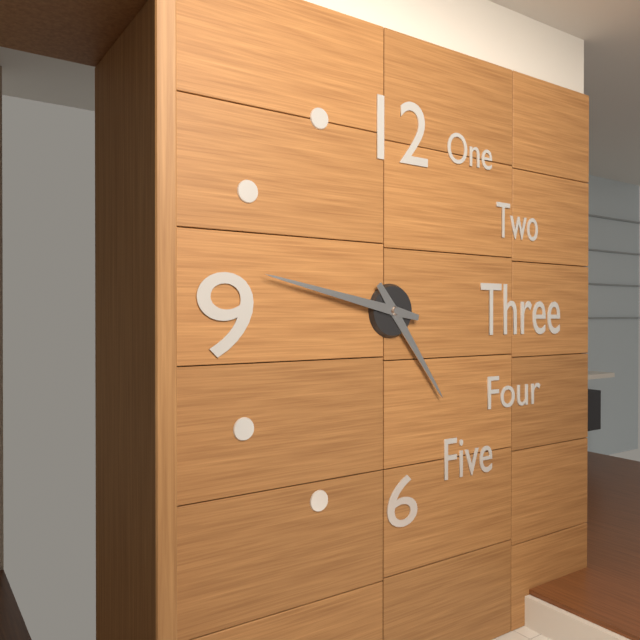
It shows {"hour": 4, "minute": 47}
